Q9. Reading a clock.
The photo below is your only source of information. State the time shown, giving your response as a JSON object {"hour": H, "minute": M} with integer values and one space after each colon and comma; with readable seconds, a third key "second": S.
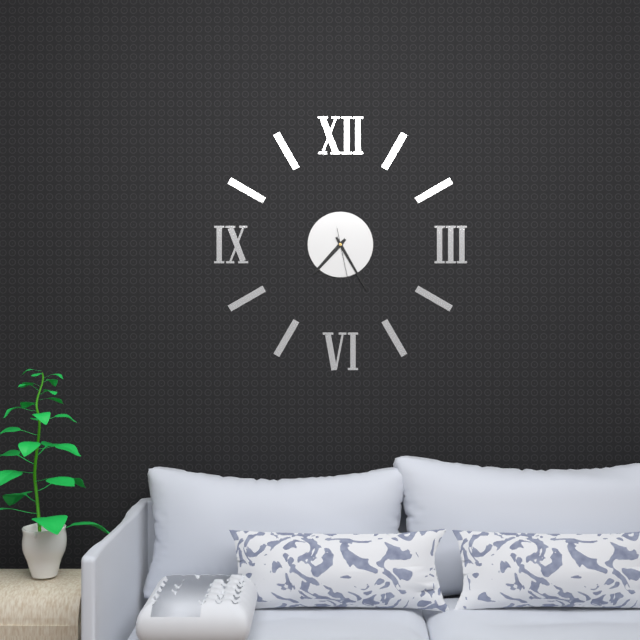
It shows {"hour": 7, "minute": 25, "second": 28}
